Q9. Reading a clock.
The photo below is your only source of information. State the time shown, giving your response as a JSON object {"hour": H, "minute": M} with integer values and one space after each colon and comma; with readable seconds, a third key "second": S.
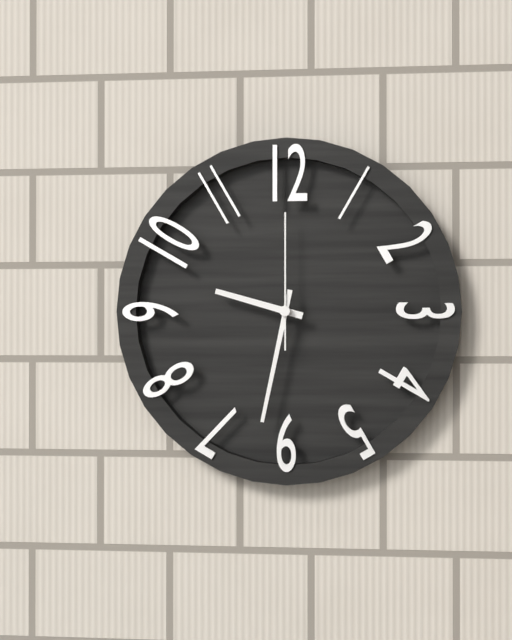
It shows {"hour": 9, "minute": 32, "second": 0}
